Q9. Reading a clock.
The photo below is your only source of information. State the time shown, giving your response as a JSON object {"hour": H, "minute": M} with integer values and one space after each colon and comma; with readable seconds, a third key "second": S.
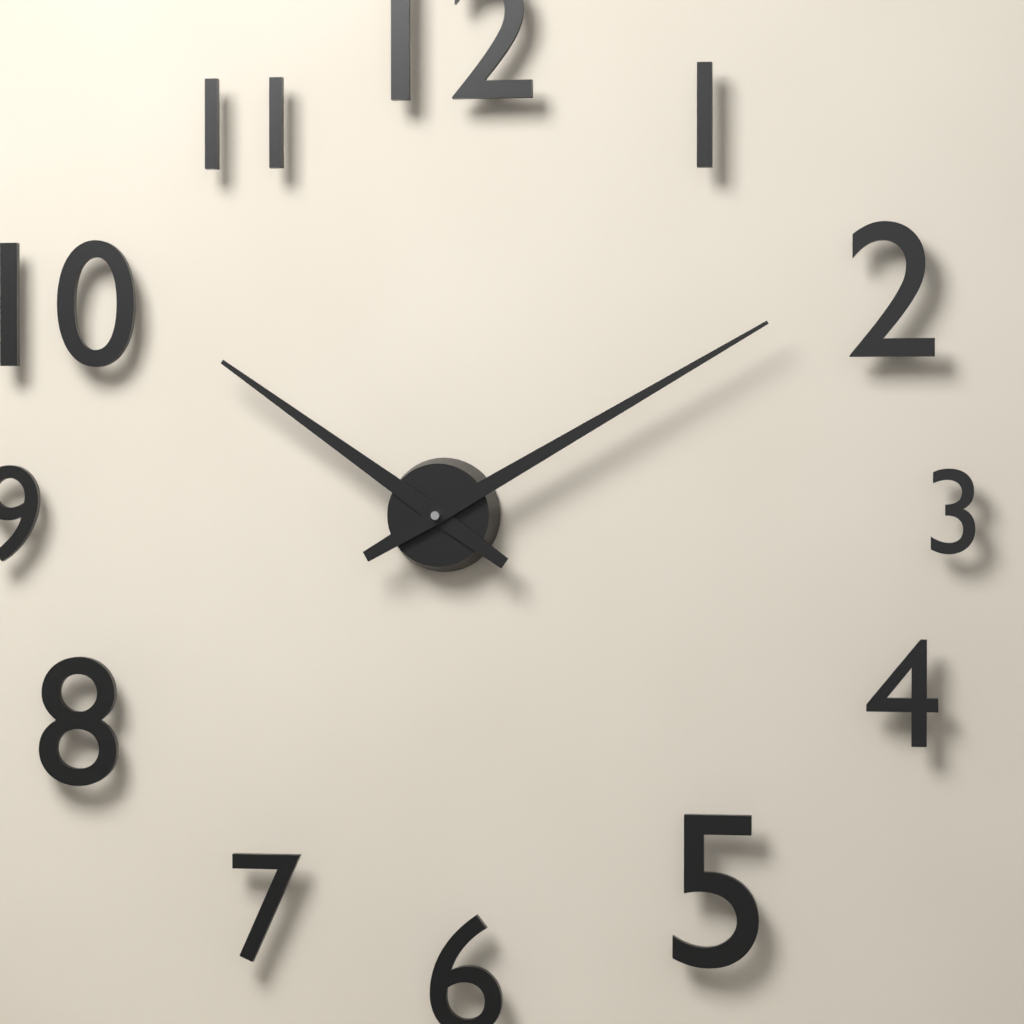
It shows {"hour": 10, "minute": 10}
